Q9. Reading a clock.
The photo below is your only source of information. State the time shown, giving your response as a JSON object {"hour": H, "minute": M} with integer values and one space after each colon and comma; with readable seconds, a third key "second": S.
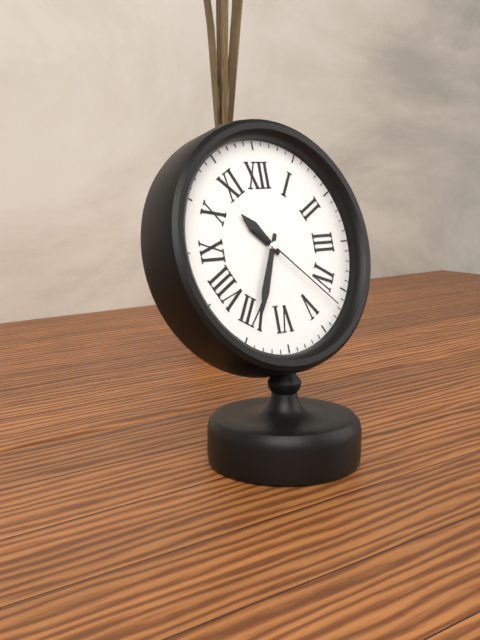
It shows {"hour": 10, "minute": 34, "second": 22}
